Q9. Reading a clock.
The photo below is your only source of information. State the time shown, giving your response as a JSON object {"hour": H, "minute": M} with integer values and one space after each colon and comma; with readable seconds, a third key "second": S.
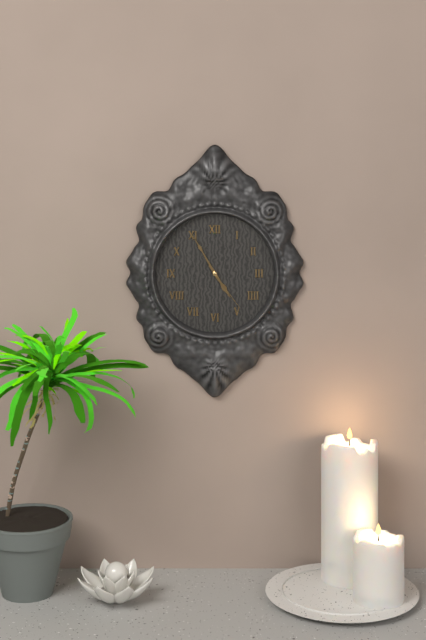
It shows {"hour": 4, "minute": 55, "second": 24}
